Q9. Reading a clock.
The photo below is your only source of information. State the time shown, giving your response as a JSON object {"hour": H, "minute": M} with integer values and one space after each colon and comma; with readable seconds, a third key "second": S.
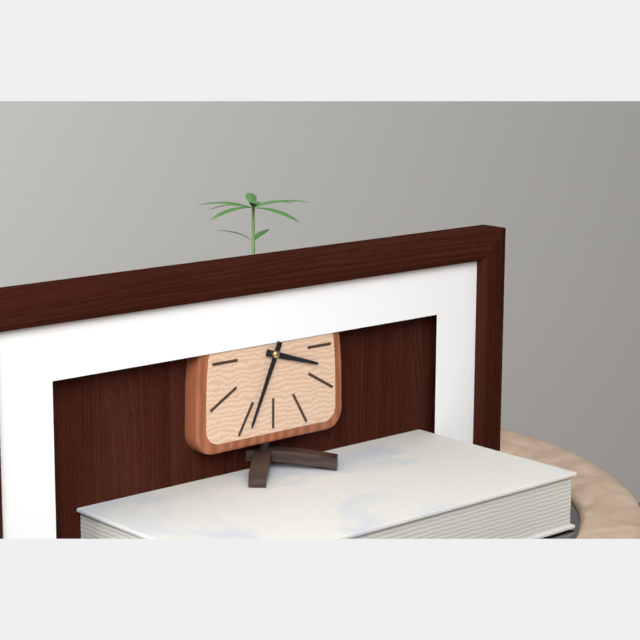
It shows {"hour": 3, "minute": 34}
